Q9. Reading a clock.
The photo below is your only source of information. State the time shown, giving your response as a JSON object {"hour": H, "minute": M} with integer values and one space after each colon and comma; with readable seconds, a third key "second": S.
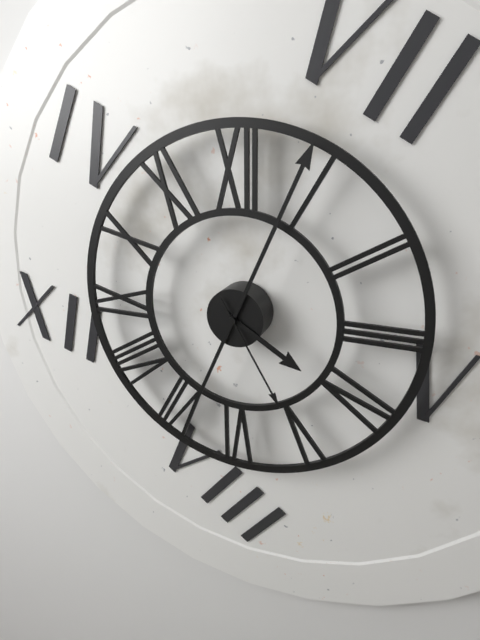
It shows {"hour": 4, "minute": 4, "second": 25}
